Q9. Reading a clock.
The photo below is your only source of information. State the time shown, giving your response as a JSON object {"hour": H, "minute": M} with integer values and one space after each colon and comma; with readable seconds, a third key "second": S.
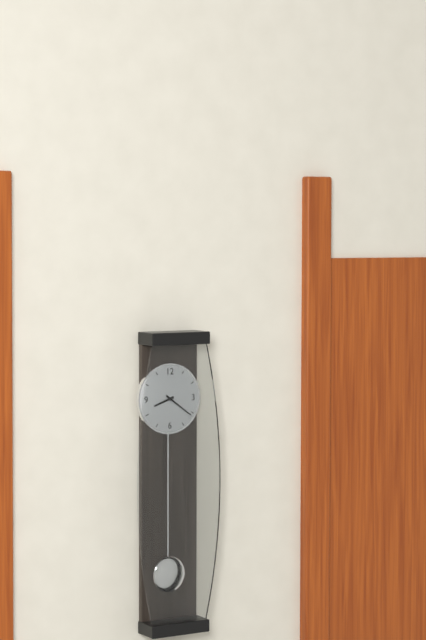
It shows {"hour": 8, "minute": 21}
